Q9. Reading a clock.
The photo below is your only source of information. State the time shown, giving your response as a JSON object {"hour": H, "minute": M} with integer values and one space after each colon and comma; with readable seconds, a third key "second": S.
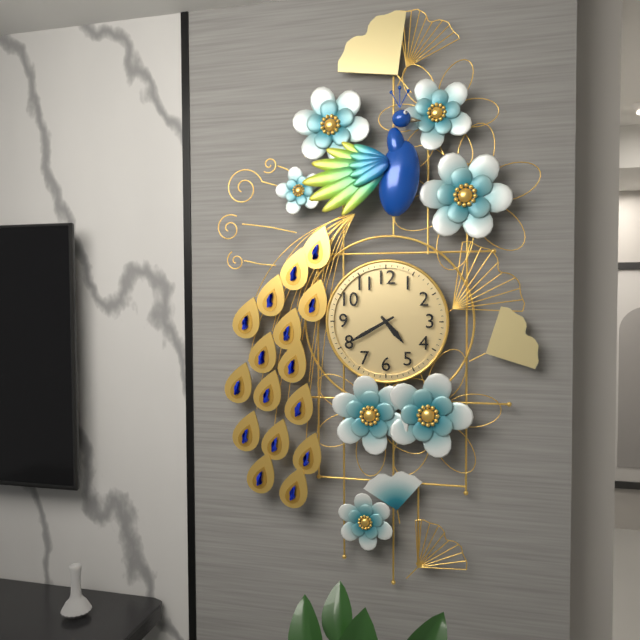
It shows {"hour": 4, "minute": 40}
